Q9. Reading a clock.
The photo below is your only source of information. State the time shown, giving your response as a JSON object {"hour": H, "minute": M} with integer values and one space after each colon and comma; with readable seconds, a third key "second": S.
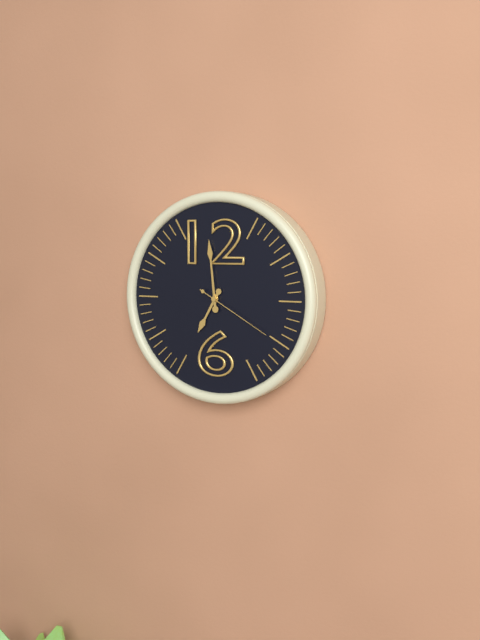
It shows {"hour": 6, "minute": 59, "second": 20}
